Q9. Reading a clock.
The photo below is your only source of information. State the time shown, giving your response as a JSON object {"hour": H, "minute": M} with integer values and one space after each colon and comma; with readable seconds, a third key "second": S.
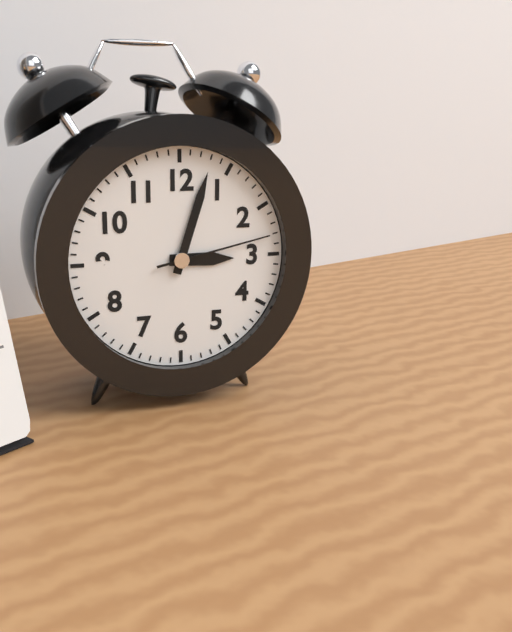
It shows {"hour": 3, "minute": 3, "second": 13}
